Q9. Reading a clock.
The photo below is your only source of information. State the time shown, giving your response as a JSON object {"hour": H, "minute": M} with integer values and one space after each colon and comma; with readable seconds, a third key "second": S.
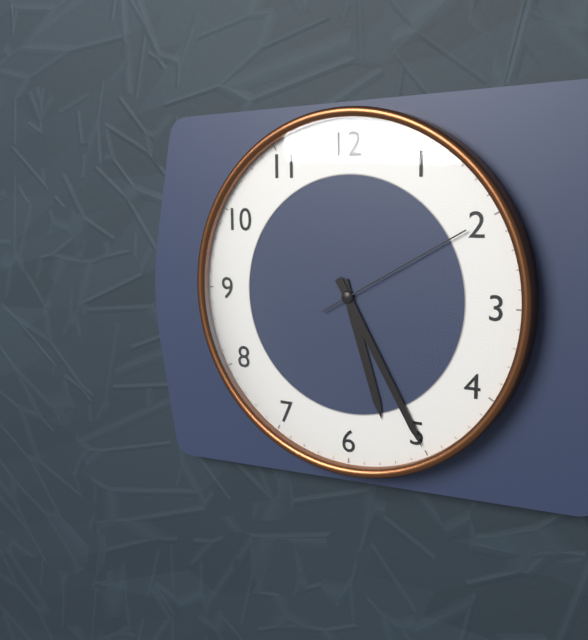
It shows {"hour": 5, "minute": 25, "second": 10}
